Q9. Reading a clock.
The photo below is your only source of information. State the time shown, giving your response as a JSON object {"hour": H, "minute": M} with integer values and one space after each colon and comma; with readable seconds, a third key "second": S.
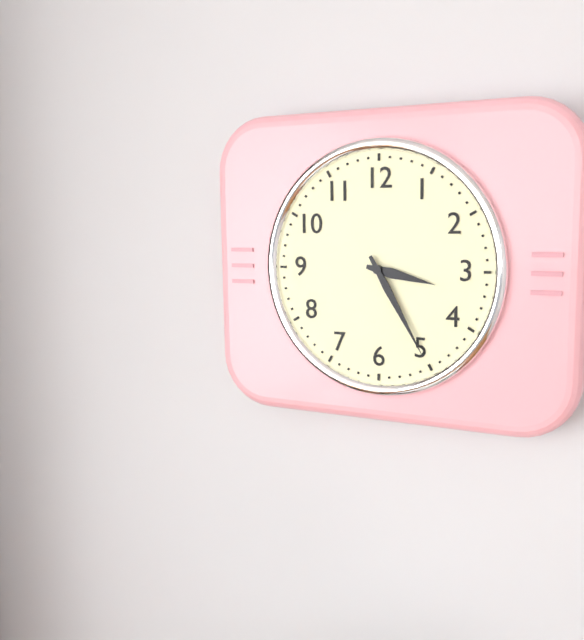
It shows {"hour": 3, "minute": 25}
